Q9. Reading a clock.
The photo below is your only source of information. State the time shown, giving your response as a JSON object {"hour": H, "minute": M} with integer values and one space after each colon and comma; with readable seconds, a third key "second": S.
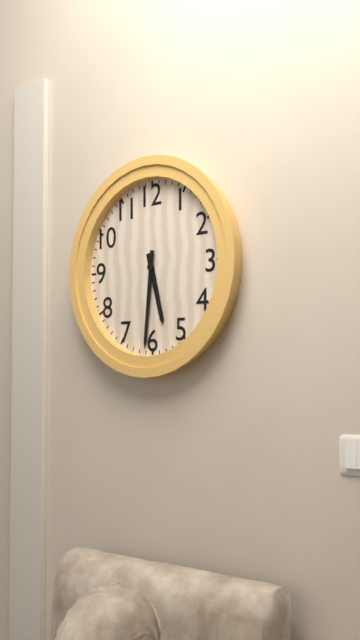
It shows {"hour": 5, "minute": 31}
